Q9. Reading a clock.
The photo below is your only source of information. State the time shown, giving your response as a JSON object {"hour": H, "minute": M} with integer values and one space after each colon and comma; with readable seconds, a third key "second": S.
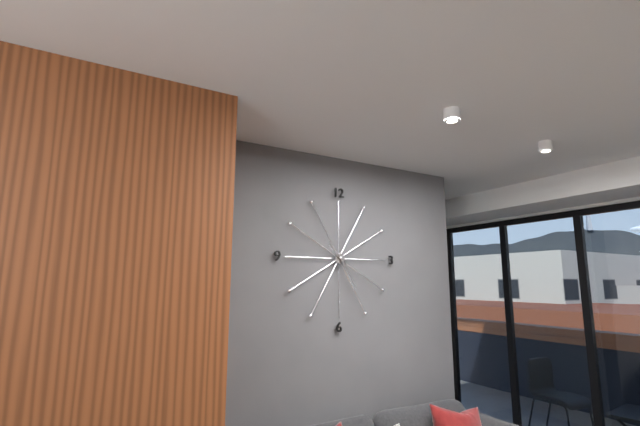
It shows {"hour": 10, "minute": 25}
